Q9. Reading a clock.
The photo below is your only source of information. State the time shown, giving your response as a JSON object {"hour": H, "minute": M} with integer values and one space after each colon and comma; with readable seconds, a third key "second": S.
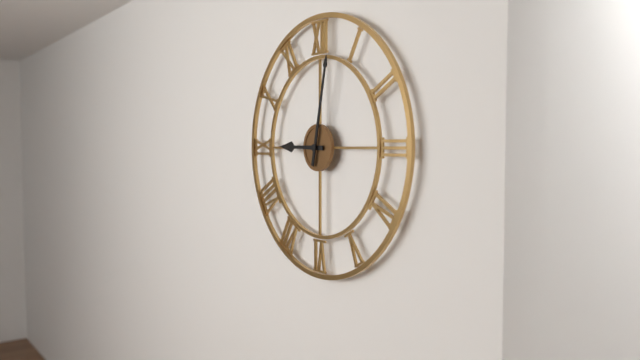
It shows {"hour": 9, "minute": 2}
